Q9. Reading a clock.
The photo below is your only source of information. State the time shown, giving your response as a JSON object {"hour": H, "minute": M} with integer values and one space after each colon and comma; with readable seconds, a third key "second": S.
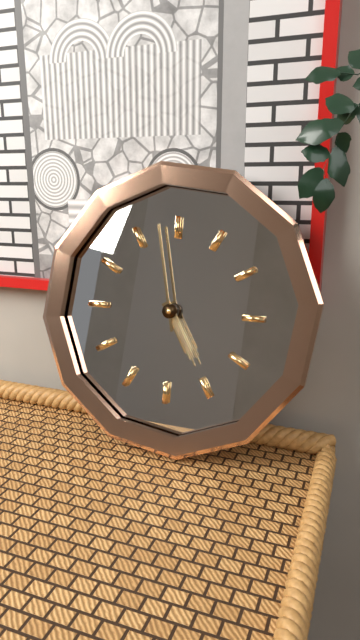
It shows {"hour": 4, "minute": 58}
